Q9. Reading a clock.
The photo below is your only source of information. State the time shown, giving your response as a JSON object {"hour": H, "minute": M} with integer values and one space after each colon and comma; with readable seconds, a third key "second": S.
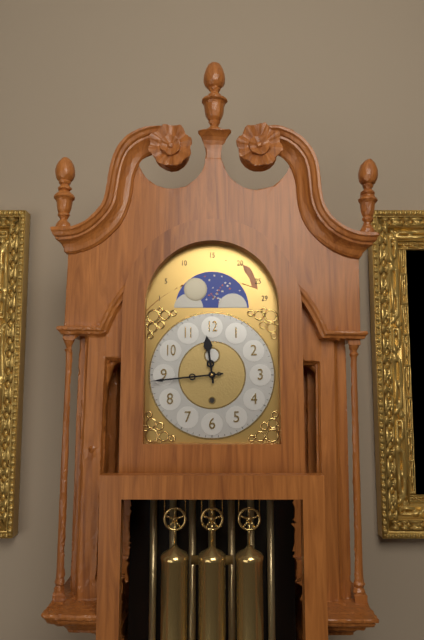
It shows {"hour": 11, "minute": 44}
